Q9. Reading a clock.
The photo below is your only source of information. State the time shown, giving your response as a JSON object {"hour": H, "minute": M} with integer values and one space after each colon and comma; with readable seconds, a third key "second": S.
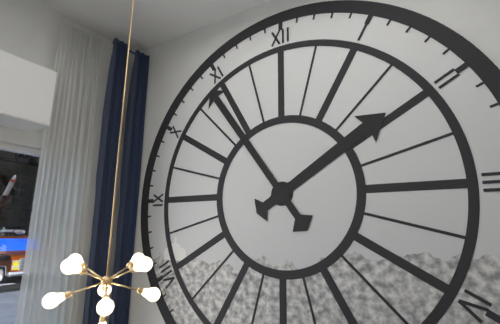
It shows {"hour": 1, "minute": 54}
